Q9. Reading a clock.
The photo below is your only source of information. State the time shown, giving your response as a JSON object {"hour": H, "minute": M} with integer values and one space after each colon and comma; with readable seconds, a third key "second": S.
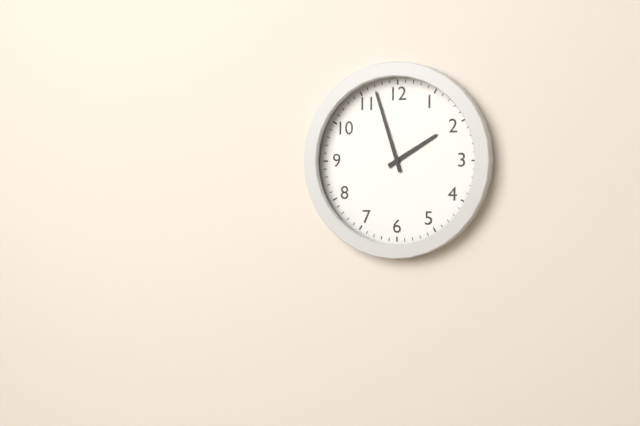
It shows {"hour": 1, "minute": 57}
